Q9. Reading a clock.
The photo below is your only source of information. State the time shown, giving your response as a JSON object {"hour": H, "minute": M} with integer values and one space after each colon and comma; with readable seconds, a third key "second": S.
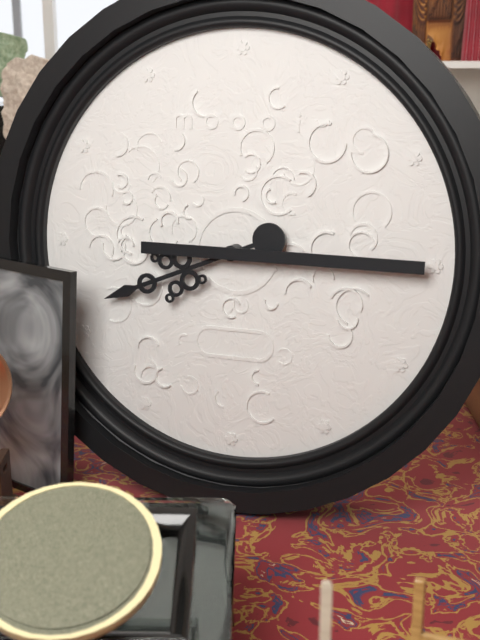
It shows {"hour": 8, "minute": 15}
